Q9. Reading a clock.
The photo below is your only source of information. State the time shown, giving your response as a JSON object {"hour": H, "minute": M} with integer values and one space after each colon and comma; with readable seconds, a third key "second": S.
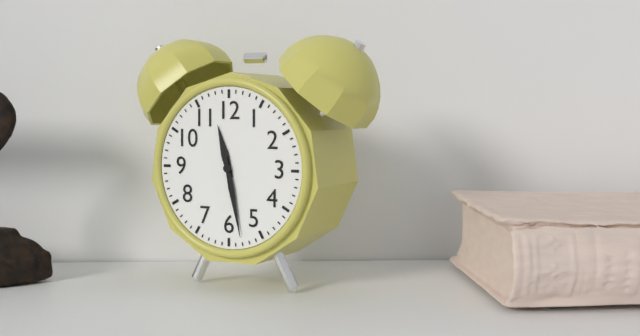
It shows {"hour": 11, "minute": 28}
